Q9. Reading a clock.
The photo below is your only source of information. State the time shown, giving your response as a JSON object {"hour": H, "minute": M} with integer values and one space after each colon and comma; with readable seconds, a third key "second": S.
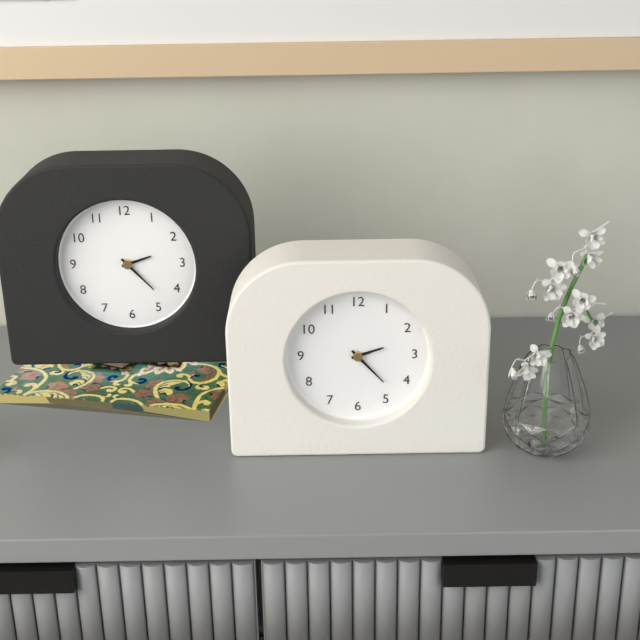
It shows {"hour": 2, "minute": 23}
